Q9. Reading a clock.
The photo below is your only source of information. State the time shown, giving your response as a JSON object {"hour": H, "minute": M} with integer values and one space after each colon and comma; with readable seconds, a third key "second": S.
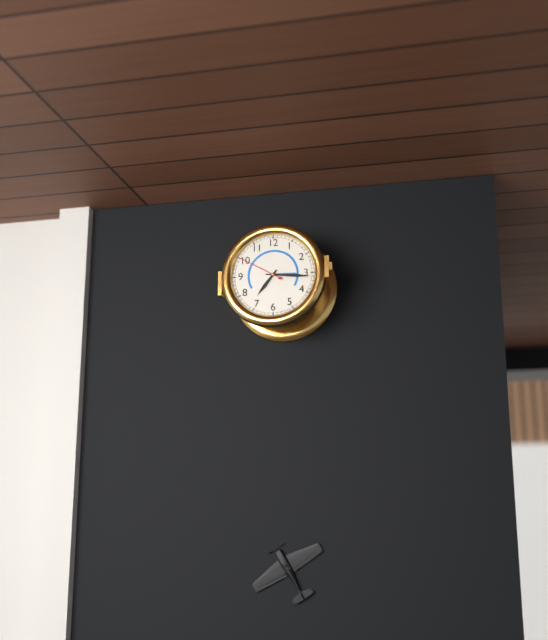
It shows {"hour": 7, "minute": 16}
